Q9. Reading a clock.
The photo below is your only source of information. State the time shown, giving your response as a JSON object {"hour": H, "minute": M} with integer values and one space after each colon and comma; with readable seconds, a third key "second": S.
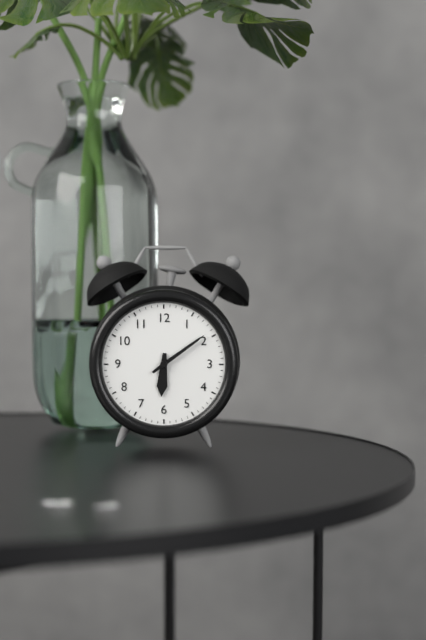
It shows {"hour": 6, "minute": 9}
